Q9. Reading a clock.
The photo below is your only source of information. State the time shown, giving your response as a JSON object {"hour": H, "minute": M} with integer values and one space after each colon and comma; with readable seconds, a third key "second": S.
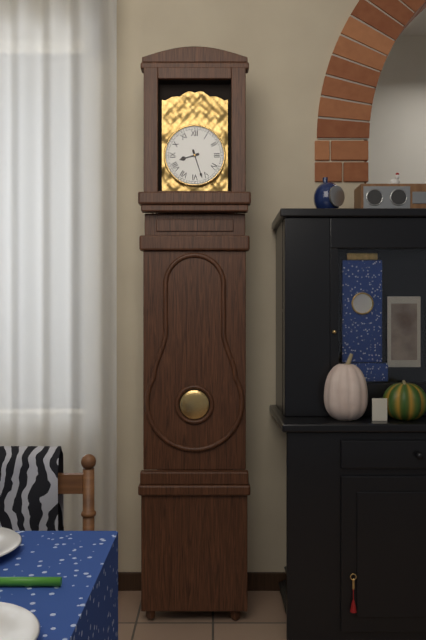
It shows {"hour": 8, "minute": 27}
